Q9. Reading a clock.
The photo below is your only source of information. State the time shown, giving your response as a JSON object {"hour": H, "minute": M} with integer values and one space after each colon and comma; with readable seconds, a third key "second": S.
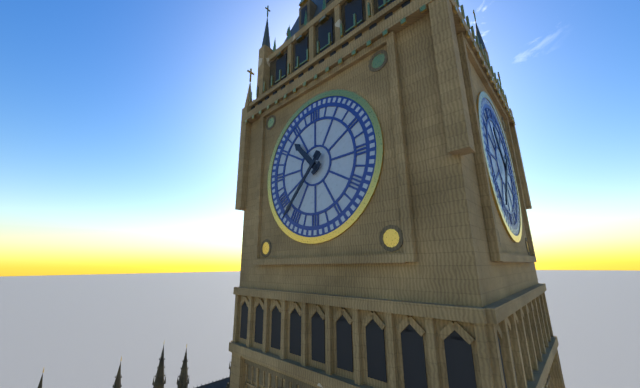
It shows {"hour": 10, "minute": 37}
